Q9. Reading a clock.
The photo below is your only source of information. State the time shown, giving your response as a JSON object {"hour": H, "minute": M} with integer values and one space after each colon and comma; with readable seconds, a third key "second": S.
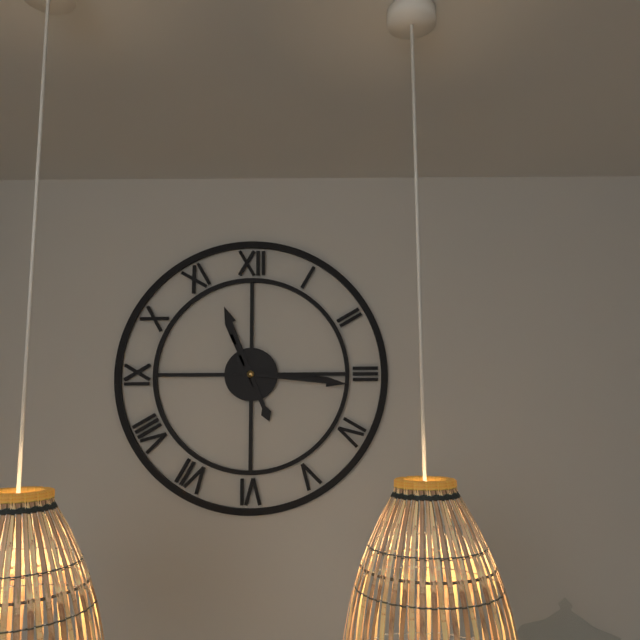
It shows {"hour": 11, "minute": 16}
